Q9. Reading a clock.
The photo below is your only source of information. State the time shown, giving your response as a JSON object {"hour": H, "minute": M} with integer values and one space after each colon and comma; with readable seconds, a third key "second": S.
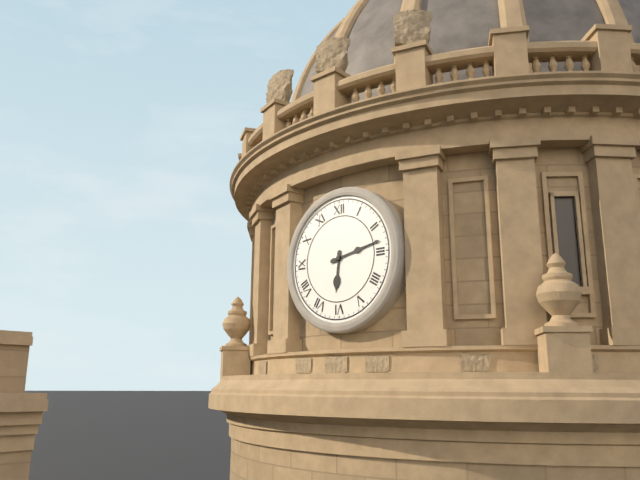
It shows {"hour": 6, "minute": 13}
